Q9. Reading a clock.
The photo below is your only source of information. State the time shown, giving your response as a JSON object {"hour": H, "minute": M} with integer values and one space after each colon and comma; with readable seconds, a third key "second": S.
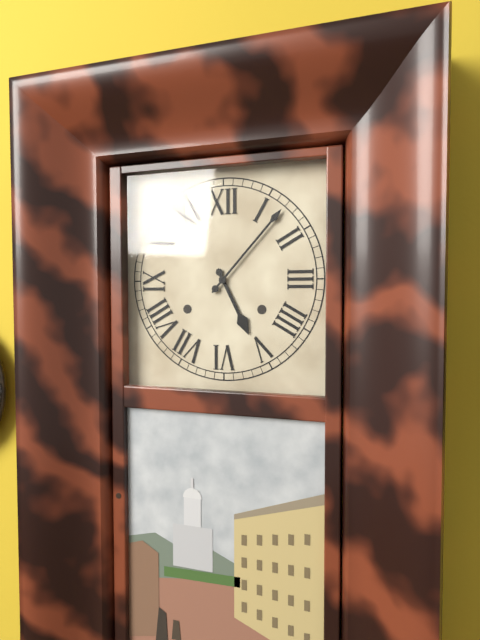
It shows {"hour": 5, "minute": 7}
